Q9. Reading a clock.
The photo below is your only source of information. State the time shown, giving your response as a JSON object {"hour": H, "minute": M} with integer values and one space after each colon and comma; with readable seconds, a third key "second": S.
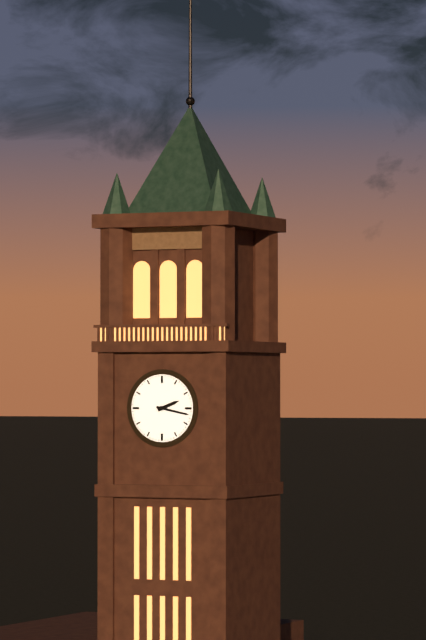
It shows {"hour": 2, "minute": 17}
